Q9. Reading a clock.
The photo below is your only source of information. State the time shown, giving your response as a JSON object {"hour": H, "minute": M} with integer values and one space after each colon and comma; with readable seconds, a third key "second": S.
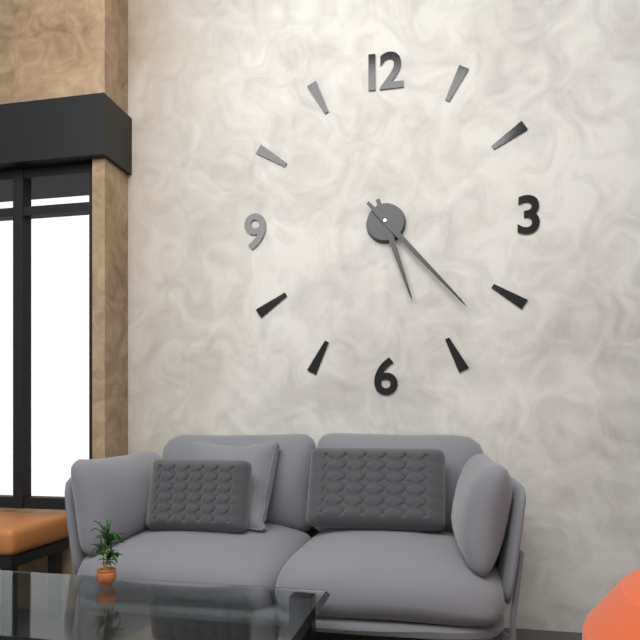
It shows {"hour": 5, "minute": 23}
